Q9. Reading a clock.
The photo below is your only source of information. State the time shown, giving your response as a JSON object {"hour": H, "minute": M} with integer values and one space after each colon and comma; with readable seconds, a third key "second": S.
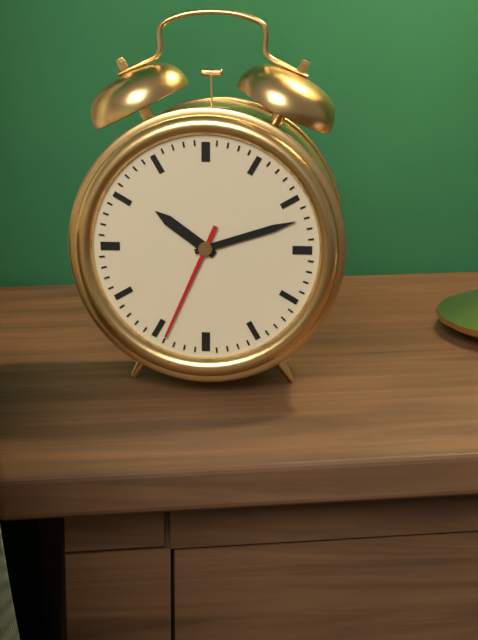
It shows {"hour": 10, "minute": 12, "second": 34}
